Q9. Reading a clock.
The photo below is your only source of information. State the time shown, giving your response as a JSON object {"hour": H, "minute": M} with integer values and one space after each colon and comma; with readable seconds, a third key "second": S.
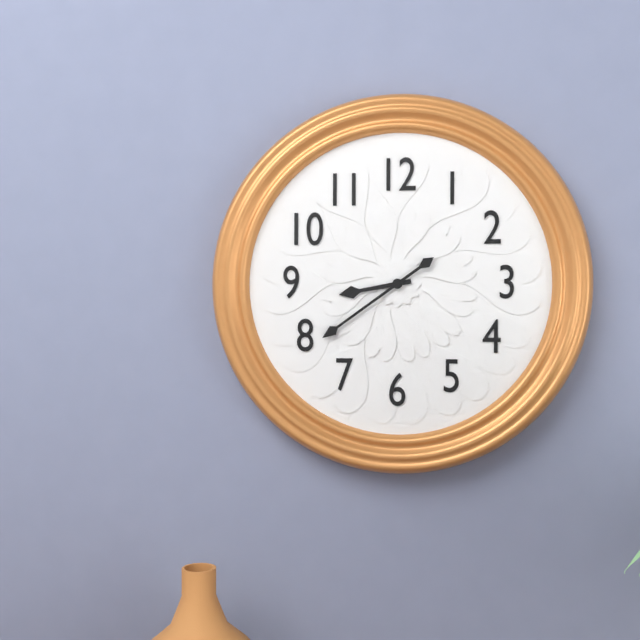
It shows {"hour": 8, "minute": 39}
